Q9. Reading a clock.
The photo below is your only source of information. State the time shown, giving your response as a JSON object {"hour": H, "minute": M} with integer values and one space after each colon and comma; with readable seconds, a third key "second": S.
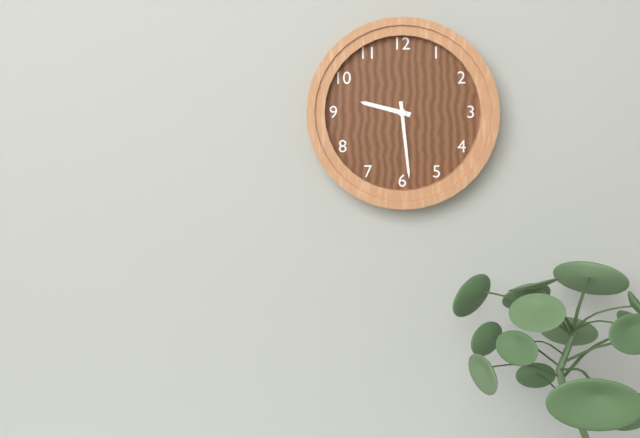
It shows {"hour": 9, "minute": 29}
